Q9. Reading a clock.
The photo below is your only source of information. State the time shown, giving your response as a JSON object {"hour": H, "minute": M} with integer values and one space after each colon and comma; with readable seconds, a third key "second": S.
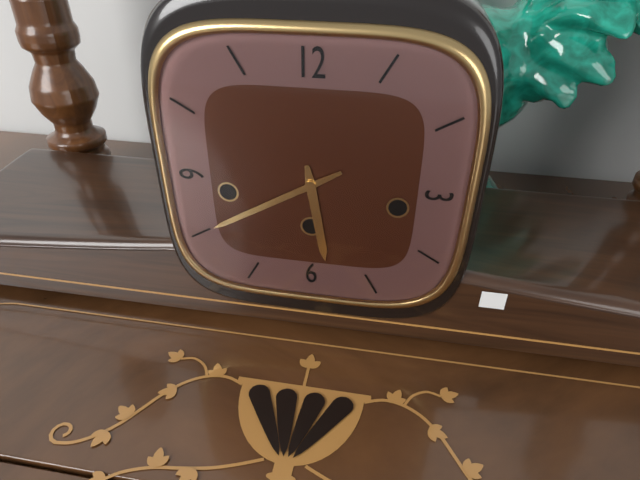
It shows {"hour": 5, "minute": 40}
